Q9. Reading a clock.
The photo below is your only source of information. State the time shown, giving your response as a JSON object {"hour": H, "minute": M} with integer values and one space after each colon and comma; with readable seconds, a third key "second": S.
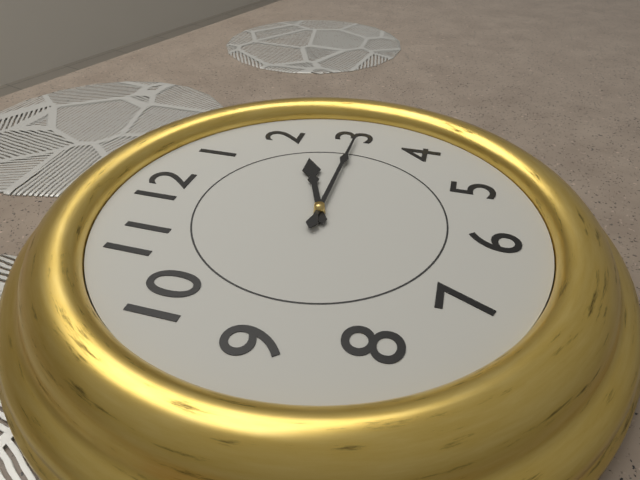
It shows {"hour": 2, "minute": 15}
